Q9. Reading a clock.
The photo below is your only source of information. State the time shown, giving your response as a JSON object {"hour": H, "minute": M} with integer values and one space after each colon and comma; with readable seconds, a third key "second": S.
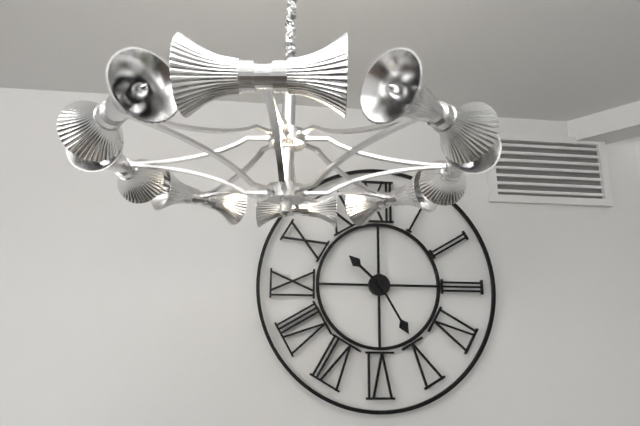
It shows {"hour": 10, "minute": 25}
